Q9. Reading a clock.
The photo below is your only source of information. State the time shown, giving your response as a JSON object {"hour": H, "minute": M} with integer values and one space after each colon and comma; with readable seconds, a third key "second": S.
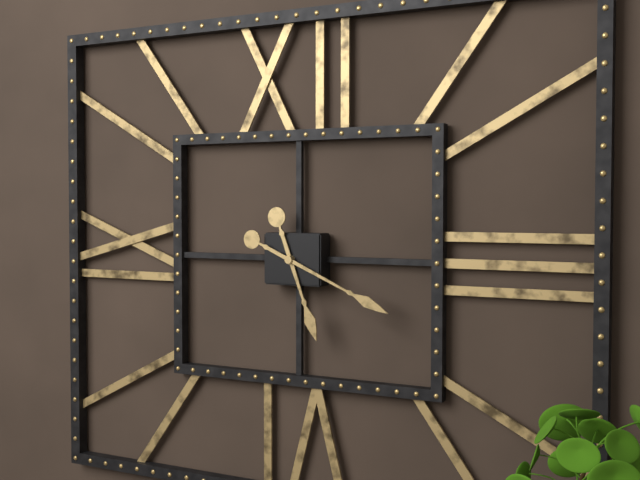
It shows {"hour": 5, "minute": 19}
